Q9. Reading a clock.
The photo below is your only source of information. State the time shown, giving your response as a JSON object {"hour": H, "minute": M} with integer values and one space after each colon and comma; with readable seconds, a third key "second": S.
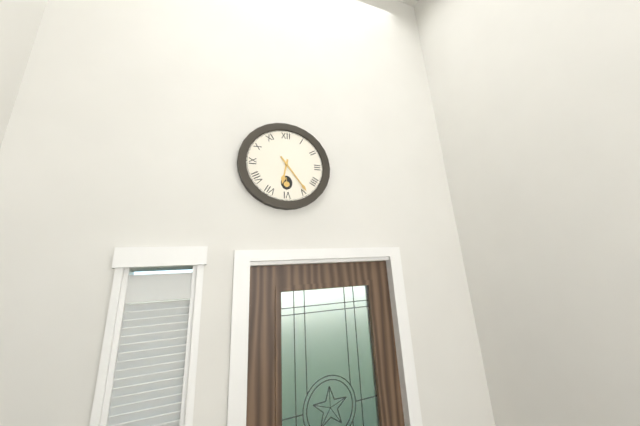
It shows {"hour": 6, "minute": 24}
